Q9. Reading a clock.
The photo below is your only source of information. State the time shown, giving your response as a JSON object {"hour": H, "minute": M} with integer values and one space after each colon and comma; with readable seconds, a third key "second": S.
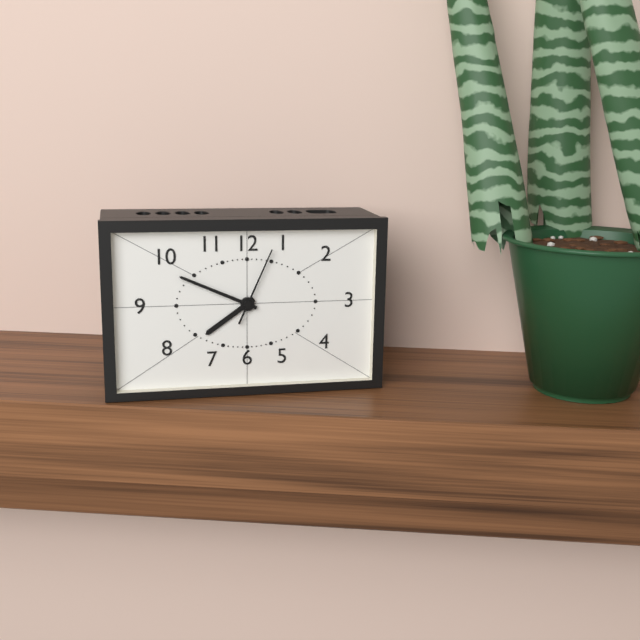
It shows {"hour": 7, "minute": 49, "second": 4}
